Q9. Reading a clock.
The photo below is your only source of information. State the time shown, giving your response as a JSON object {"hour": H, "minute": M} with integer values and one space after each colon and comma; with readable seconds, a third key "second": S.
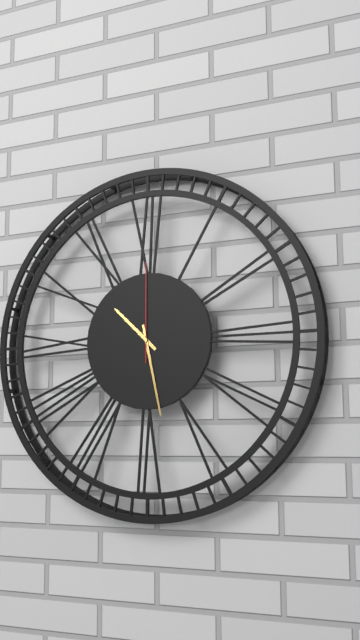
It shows {"hour": 10, "minute": 28, "second": 0}
